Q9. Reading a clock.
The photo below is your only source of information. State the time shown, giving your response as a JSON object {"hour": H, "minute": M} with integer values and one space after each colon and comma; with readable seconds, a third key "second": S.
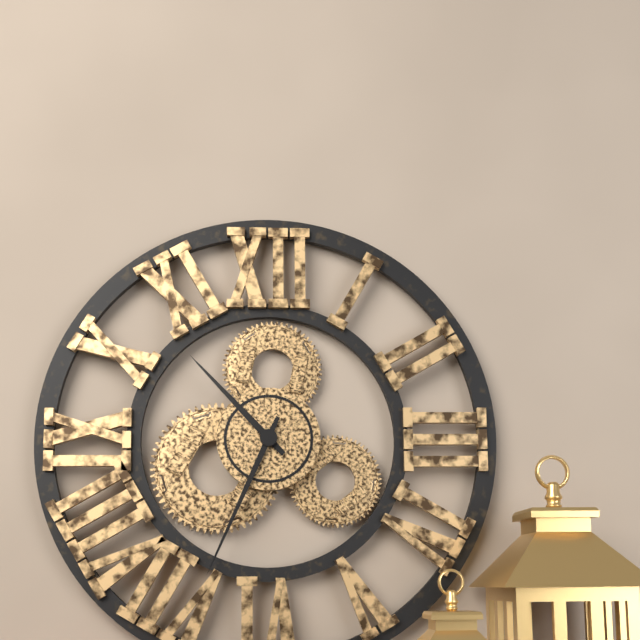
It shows {"hour": 10, "minute": 34}
